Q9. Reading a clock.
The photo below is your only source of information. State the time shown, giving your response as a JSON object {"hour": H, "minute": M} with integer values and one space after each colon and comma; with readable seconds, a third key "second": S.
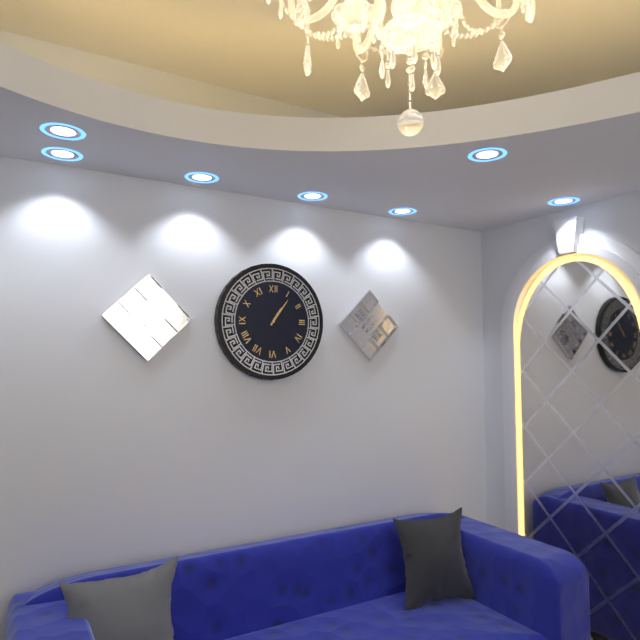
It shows {"hour": 1, "minute": 6}
